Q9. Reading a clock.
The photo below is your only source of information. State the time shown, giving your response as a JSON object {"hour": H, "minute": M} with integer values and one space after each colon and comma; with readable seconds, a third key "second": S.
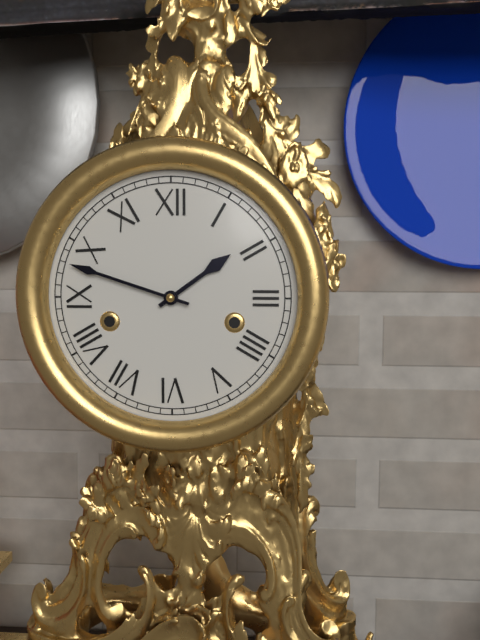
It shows {"hour": 1, "minute": 48}
